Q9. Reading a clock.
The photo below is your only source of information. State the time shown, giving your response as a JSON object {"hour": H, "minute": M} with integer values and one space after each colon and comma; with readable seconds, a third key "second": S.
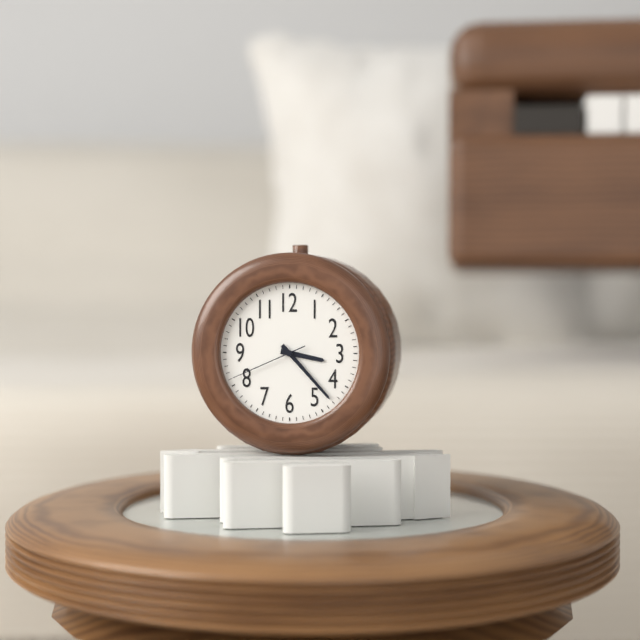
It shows {"hour": 3, "minute": 23, "second": 41}
